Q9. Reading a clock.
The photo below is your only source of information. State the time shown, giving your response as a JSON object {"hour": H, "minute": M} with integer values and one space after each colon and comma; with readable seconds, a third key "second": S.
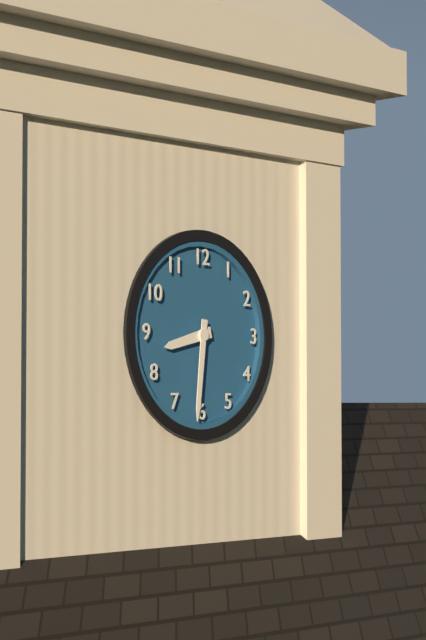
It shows {"hour": 8, "minute": 31}
